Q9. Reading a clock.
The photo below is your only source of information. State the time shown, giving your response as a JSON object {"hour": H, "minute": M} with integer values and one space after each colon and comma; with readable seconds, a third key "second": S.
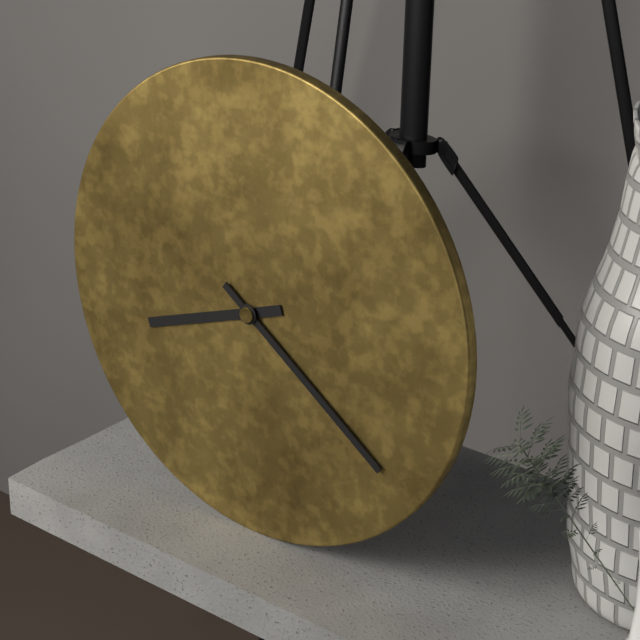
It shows {"hour": 8, "minute": 21}
